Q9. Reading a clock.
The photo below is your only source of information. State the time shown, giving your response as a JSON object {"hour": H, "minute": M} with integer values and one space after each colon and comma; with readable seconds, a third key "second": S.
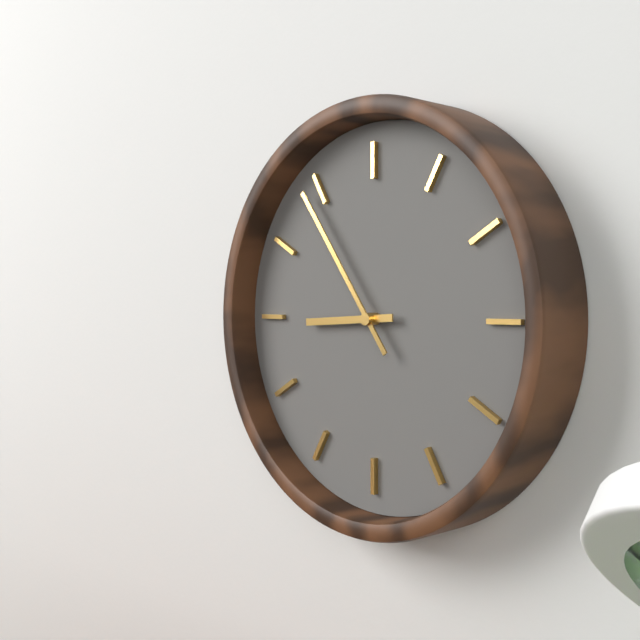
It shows {"hour": 8, "minute": 54}
